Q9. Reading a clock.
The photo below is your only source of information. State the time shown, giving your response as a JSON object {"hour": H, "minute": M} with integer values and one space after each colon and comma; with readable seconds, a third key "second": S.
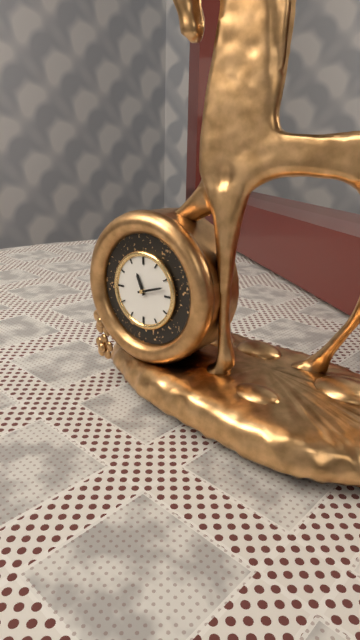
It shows {"hour": 11, "minute": 12}
